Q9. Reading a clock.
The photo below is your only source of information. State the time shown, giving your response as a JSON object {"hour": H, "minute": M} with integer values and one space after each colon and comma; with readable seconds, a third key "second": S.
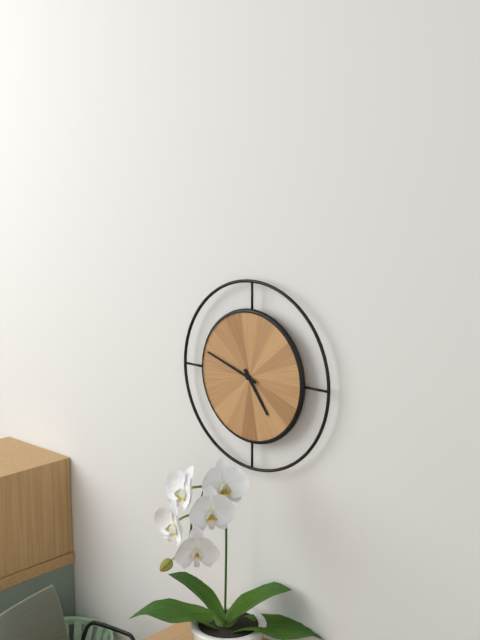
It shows {"hour": 4, "minute": 48}
